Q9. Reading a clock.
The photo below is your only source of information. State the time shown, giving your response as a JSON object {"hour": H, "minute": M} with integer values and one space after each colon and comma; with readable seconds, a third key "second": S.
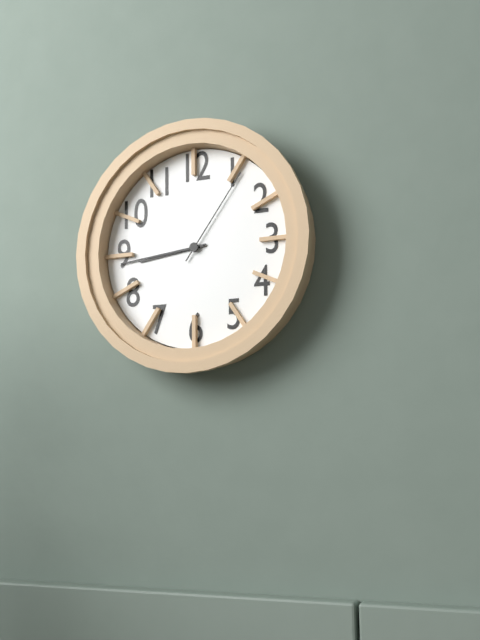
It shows {"hour": 8, "minute": 44, "second": 6}
